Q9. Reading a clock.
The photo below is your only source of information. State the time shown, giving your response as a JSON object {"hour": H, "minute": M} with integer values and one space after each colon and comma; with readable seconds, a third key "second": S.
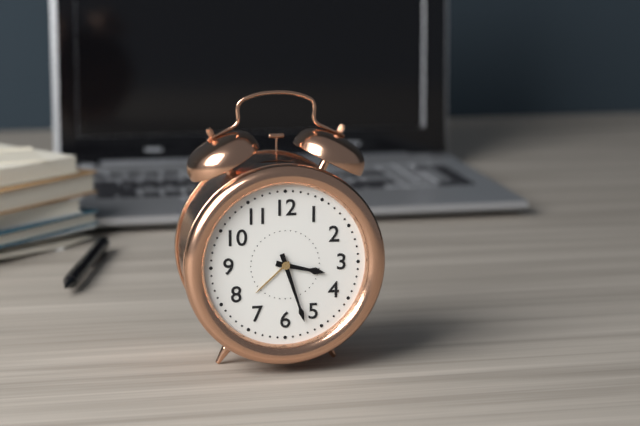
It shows {"hour": 3, "minute": 27}
